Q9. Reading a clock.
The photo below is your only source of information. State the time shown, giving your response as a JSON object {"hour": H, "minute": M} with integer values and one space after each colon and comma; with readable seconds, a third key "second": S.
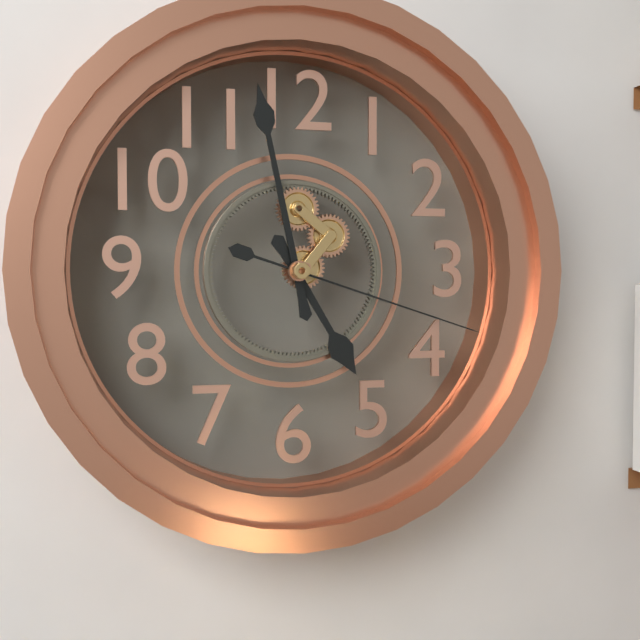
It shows {"hour": 4, "minute": 58, "second": 18}
